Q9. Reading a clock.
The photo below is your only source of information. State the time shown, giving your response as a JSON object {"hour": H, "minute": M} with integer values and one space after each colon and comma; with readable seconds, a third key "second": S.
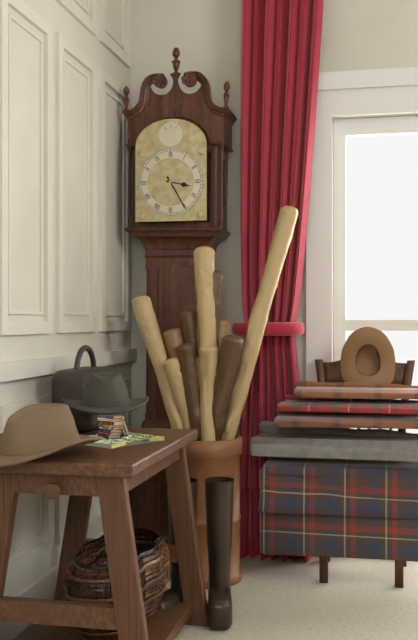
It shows {"hour": 3, "minute": 25}
